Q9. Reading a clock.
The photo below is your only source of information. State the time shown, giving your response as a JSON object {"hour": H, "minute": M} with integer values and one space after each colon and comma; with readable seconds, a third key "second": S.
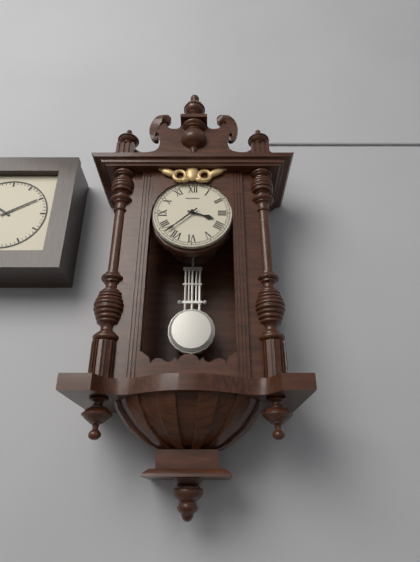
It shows {"hour": 3, "minute": 38}
